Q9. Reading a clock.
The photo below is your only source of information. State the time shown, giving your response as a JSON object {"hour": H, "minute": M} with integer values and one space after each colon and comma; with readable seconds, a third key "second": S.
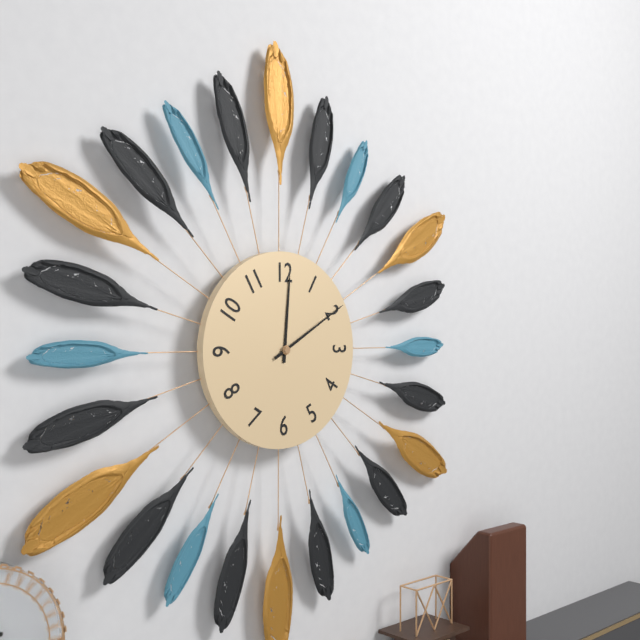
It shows {"hour": 12, "minute": 10}
